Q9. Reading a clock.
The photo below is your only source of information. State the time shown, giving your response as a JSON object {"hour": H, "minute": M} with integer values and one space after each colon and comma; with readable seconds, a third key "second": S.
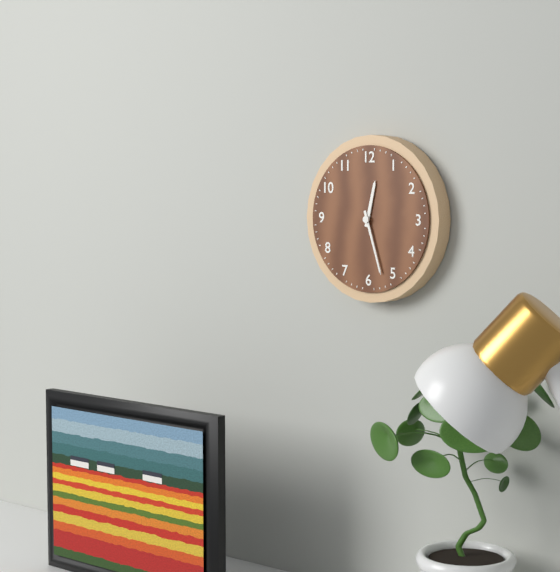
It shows {"hour": 12, "minute": 27}
